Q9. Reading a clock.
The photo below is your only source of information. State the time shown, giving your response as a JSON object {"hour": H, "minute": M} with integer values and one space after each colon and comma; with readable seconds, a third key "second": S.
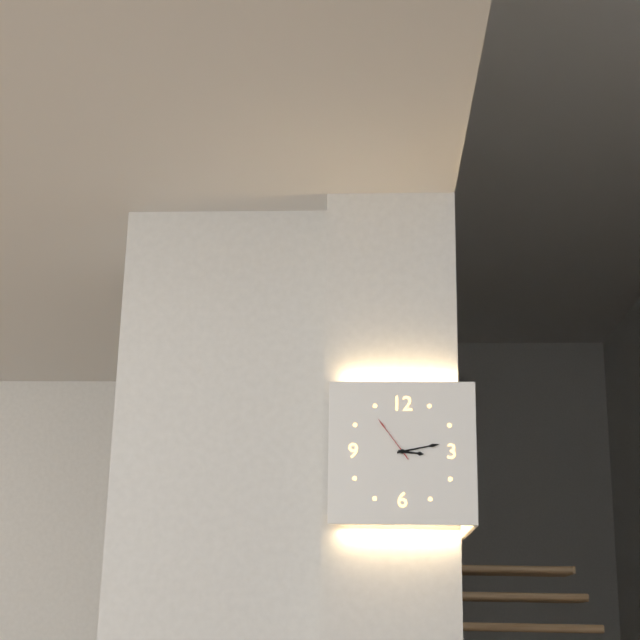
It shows {"hour": 3, "minute": 13, "second": 54}
